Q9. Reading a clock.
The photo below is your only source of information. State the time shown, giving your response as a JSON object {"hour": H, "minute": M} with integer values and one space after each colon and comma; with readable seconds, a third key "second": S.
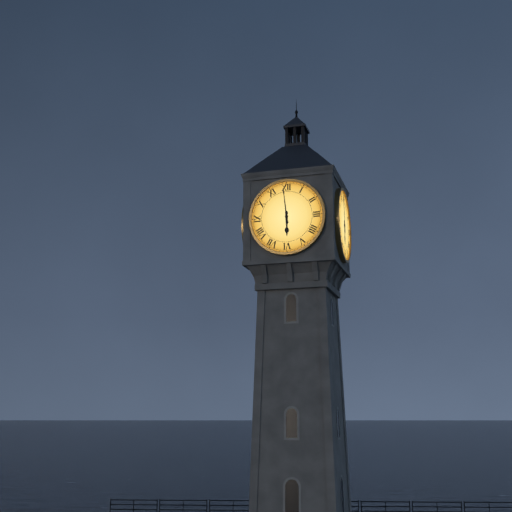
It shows {"hour": 5, "minute": 59}
